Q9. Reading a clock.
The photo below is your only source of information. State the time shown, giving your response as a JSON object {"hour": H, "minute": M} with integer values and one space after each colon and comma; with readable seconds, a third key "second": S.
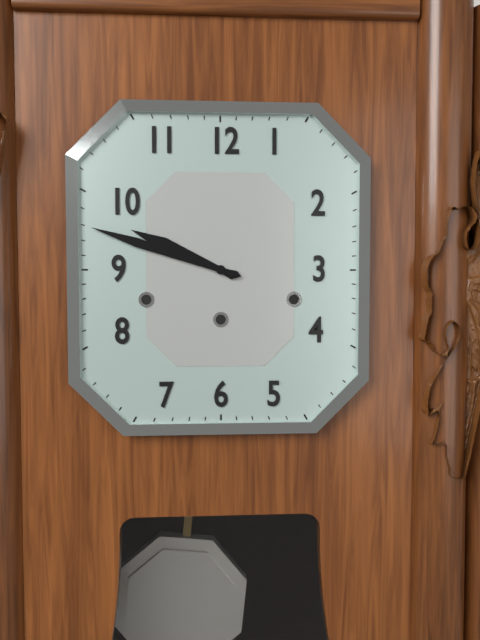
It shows {"hour": 9, "minute": 48}
